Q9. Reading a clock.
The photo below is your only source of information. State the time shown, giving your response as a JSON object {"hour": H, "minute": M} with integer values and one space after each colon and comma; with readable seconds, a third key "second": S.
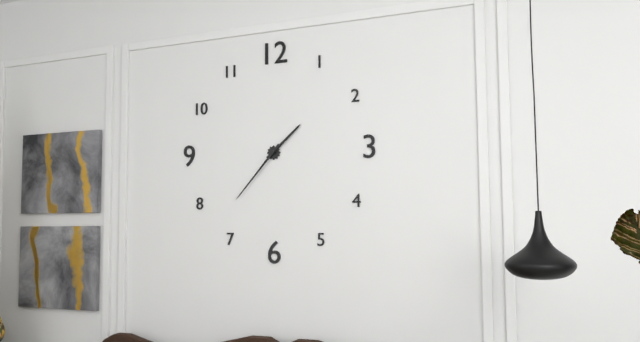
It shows {"hour": 1, "minute": 37}
